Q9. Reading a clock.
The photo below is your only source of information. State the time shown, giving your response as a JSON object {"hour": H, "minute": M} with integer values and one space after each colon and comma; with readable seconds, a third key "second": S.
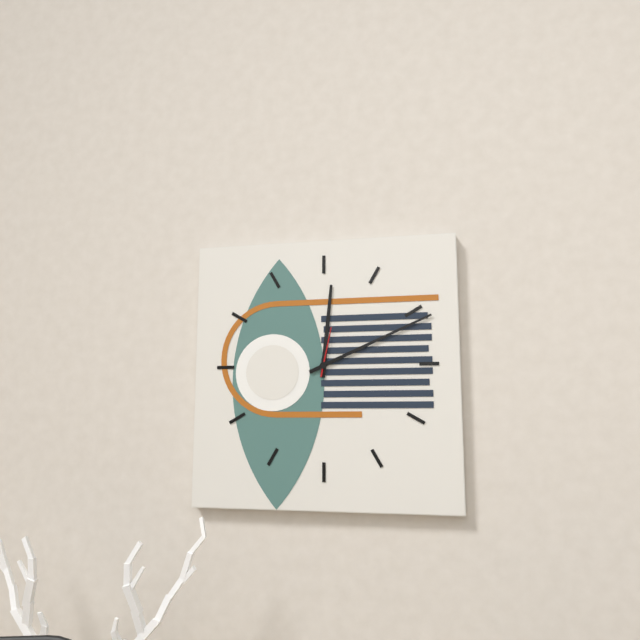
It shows {"hour": 12, "minute": 11}
